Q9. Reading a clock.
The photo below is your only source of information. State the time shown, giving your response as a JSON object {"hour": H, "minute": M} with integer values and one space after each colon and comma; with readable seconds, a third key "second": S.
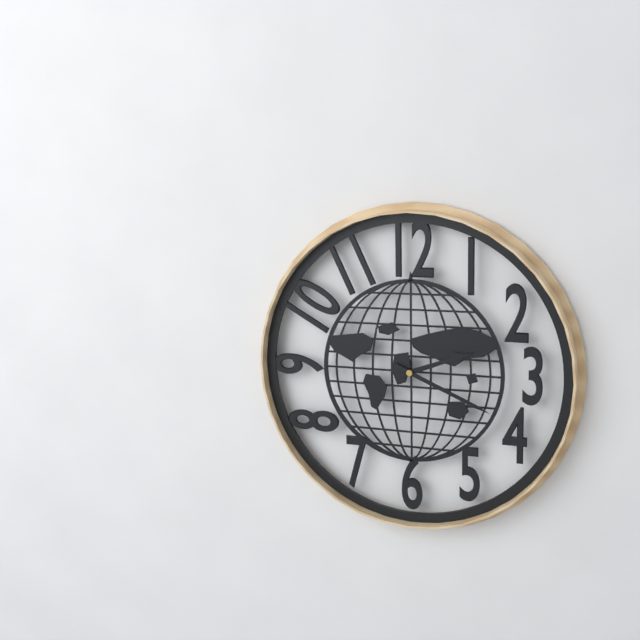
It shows {"hour": 2, "minute": 19}
